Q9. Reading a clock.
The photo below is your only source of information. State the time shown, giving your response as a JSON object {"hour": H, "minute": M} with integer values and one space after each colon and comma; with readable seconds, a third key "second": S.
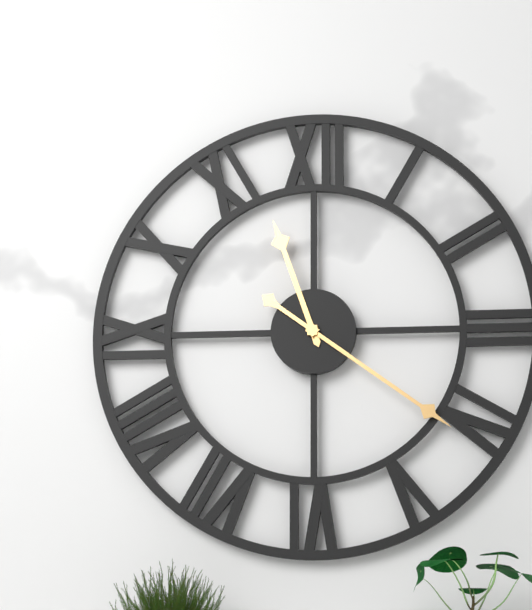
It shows {"hour": 11, "minute": 21}
